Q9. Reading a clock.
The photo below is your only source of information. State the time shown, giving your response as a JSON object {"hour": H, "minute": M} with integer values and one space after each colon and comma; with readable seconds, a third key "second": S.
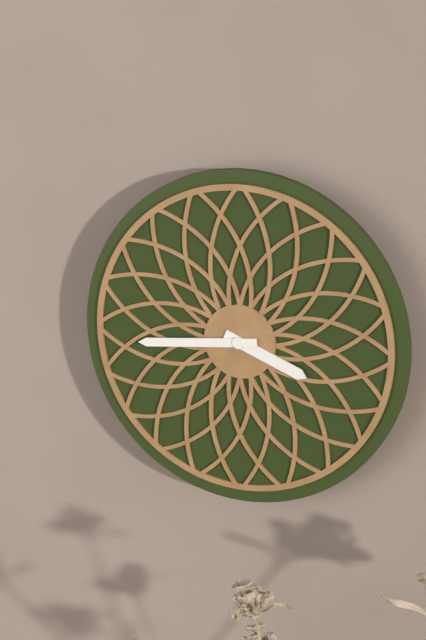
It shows {"hour": 3, "minute": 44}
